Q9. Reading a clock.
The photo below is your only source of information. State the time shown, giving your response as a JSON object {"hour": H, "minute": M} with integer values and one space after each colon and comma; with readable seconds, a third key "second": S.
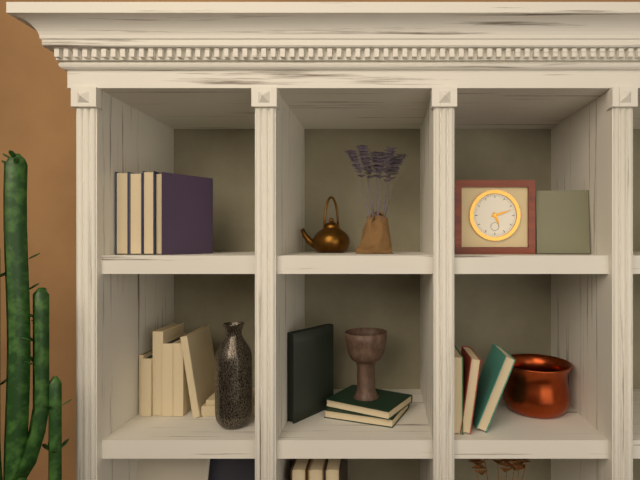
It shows {"hour": 5, "minute": 12}
